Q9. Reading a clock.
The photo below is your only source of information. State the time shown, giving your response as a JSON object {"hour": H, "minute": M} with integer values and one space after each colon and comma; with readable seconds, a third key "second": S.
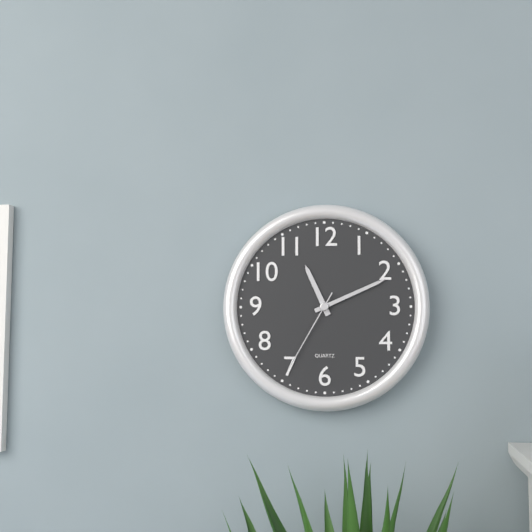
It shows {"hour": 11, "minute": 11, "second": 35}
